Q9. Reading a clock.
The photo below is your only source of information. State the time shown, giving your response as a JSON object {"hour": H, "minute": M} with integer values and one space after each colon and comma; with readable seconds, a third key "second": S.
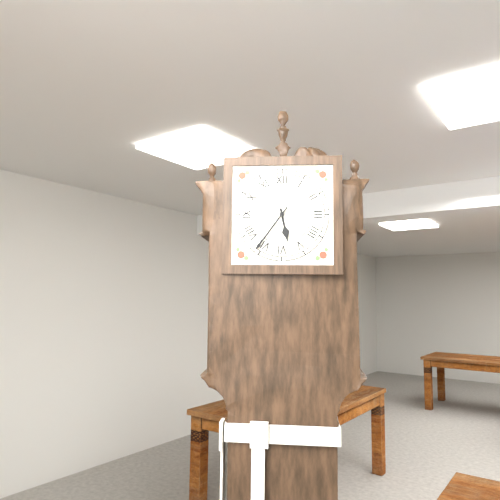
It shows {"hour": 5, "minute": 36}
